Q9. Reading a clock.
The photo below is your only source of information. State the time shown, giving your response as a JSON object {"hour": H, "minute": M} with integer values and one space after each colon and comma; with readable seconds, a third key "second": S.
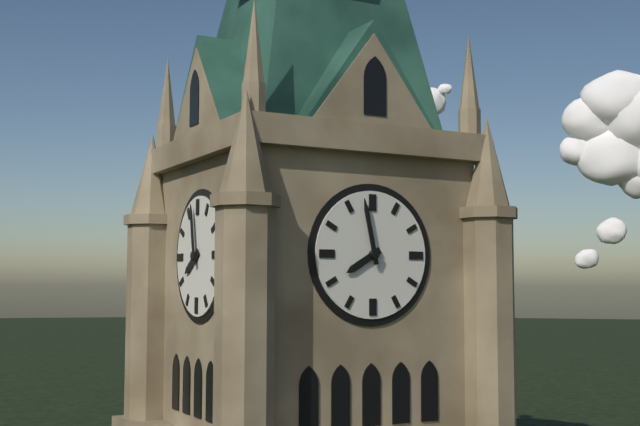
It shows {"hour": 7, "minute": 58}
